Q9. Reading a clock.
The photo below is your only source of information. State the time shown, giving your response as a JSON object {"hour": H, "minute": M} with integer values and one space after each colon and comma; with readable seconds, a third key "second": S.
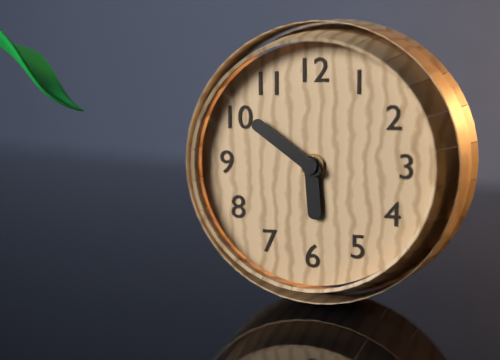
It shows {"hour": 5, "minute": 51}
